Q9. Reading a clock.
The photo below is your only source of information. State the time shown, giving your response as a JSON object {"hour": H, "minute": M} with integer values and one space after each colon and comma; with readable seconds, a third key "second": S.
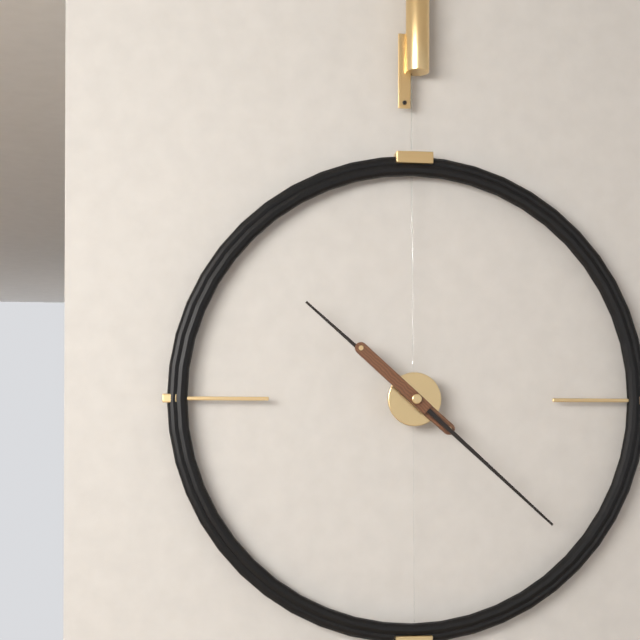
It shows {"hour": 10, "minute": 22}
